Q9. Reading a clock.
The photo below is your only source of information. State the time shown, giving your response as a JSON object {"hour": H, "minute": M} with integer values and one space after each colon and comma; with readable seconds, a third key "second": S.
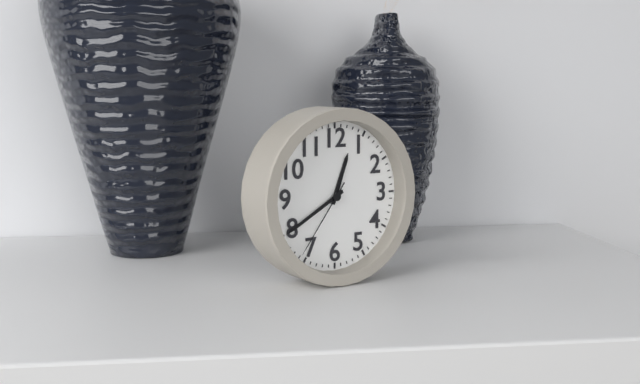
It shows {"hour": 12, "minute": 40, "second": 36}
